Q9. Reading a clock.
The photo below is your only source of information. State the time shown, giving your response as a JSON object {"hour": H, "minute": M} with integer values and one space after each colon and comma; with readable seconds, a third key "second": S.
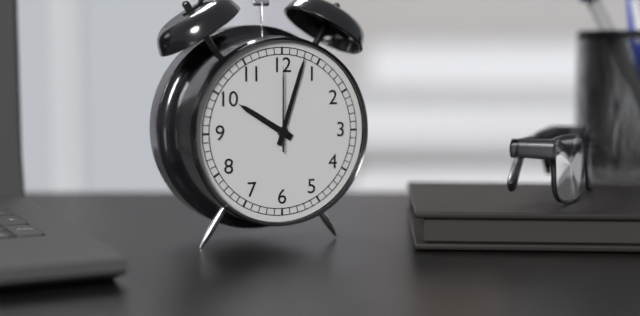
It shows {"hour": 10, "minute": 3, "second": 0}
